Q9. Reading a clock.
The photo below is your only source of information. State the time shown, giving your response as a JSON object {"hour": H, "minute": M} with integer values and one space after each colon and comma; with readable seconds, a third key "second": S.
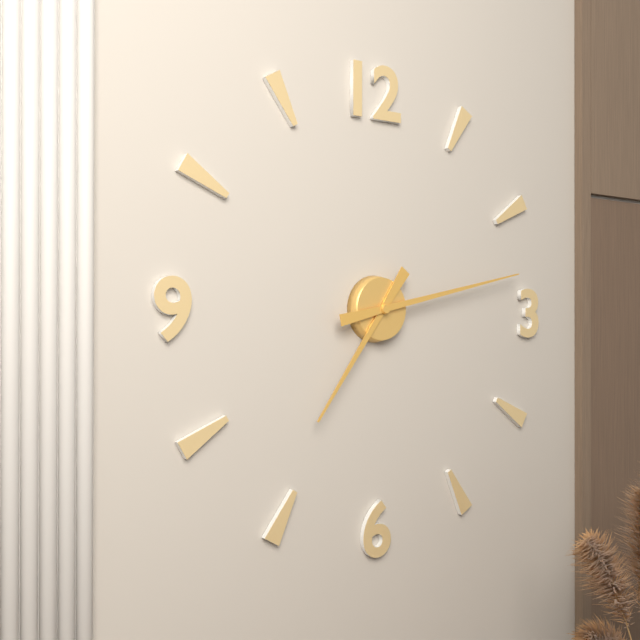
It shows {"hour": 7, "minute": 13}
